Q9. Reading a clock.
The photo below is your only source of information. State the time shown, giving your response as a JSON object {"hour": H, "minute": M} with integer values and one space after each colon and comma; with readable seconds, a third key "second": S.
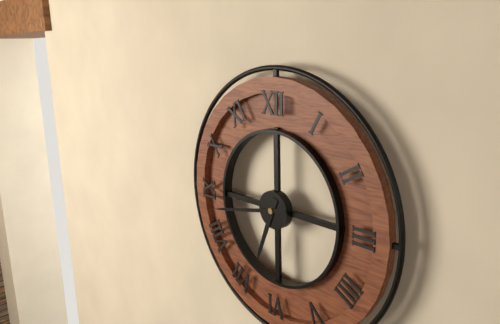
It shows {"hour": 6, "minute": 43}
